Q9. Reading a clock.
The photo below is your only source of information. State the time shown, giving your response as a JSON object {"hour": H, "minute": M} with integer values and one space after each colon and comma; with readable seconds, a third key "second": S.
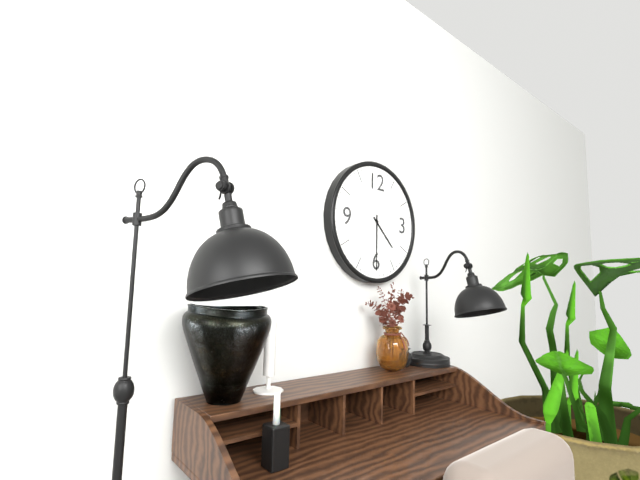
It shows {"hour": 4, "minute": 30}
